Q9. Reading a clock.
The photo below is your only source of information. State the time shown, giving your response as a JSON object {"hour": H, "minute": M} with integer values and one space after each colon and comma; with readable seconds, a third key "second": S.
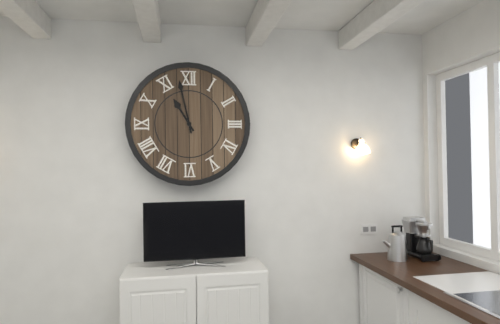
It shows {"hour": 10, "minute": 58}
